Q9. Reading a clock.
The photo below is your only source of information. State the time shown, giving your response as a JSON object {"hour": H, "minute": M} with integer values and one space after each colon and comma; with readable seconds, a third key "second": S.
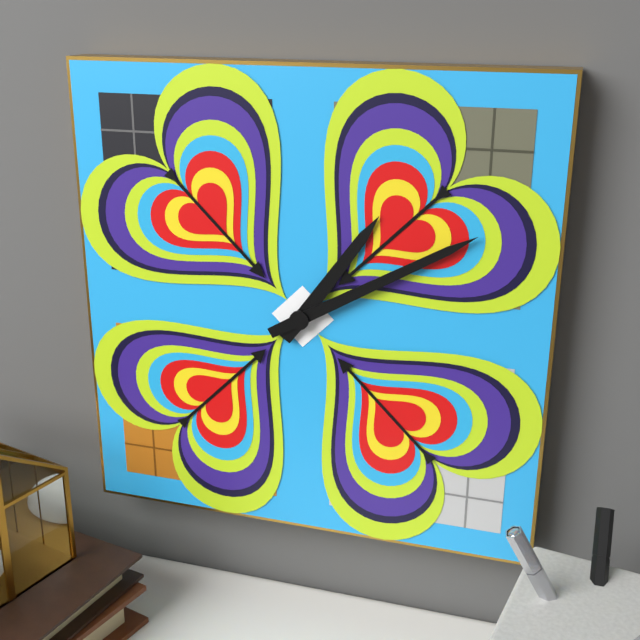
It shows {"hour": 1, "minute": 10}
